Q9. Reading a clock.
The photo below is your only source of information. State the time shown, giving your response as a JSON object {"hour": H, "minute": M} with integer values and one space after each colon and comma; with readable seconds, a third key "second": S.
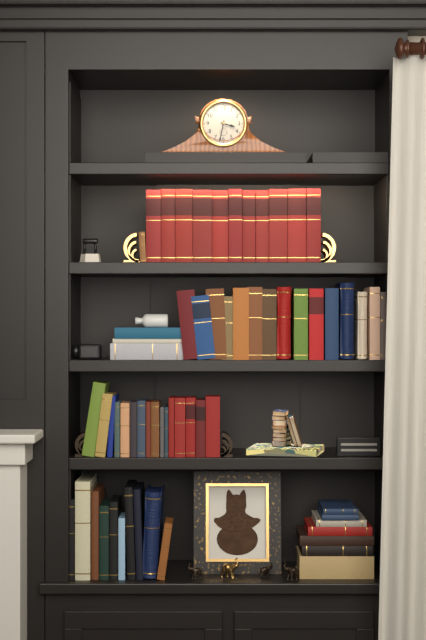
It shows {"hour": 3, "minute": 32}
